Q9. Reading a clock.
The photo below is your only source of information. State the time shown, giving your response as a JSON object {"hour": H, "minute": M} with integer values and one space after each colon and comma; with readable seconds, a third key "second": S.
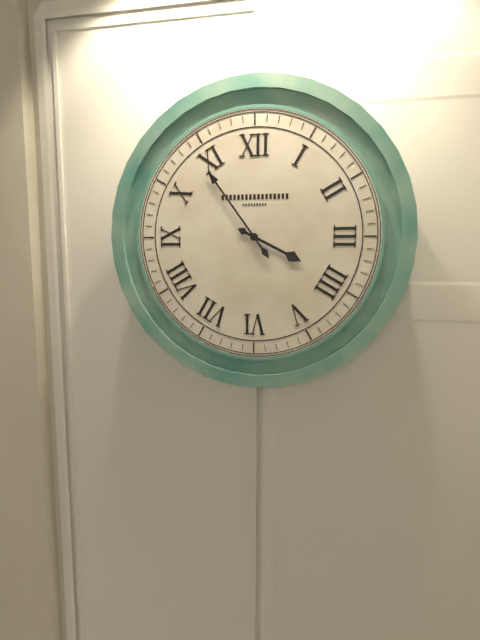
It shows {"hour": 3, "minute": 54}
